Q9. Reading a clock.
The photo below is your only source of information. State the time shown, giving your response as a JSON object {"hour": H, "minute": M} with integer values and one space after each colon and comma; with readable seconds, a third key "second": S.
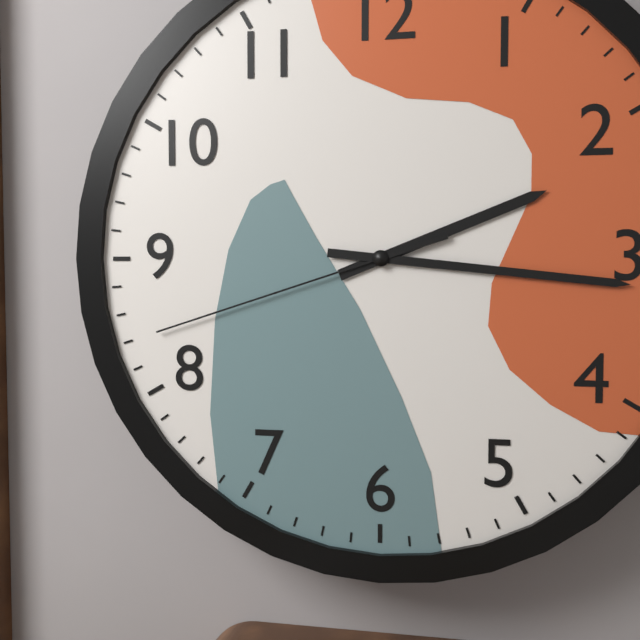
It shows {"hour": 2, "minute": 16, "second": 42}
